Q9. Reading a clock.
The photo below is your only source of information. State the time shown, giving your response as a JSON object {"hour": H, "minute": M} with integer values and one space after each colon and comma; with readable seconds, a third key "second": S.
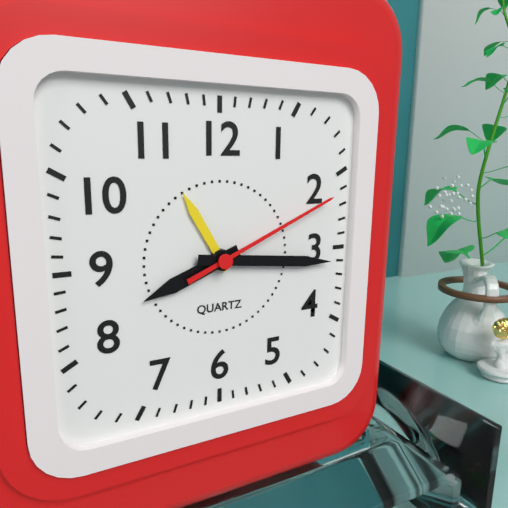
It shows {"hour": 8, "minute": 16, "second": 11}
